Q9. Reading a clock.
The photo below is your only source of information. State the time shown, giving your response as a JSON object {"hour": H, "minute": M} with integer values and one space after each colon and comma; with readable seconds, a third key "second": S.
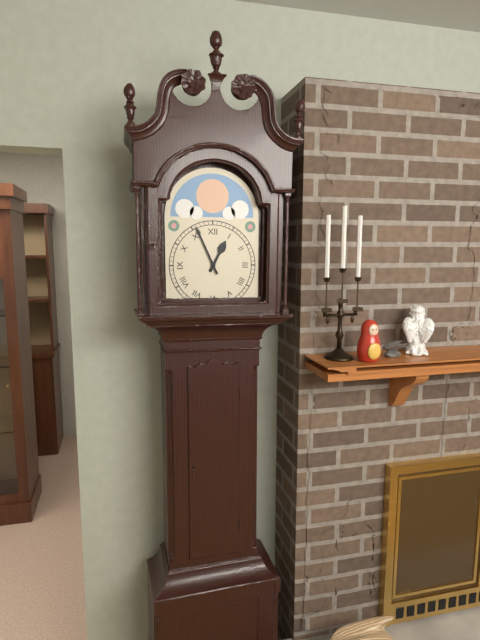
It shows {"hour": 12, "minute": 56}
